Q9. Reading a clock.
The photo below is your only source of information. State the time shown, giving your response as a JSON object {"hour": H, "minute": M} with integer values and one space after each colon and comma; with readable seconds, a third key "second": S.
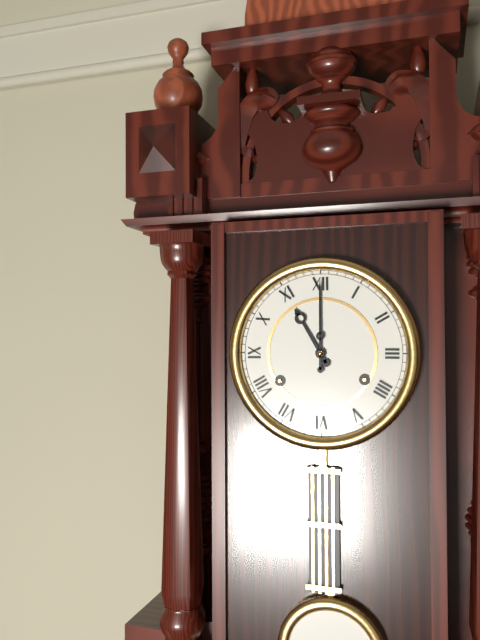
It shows {"hour": 11, "minute": 0}
